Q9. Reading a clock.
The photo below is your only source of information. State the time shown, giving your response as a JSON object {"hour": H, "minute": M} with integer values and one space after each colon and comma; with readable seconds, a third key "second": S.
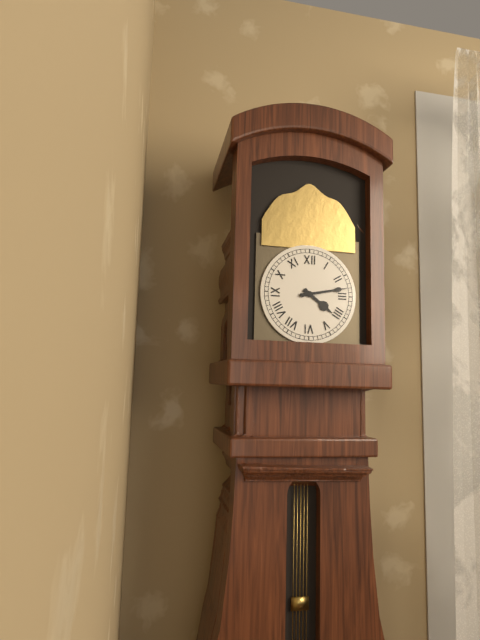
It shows {"hour": 4, "minute": 13}
